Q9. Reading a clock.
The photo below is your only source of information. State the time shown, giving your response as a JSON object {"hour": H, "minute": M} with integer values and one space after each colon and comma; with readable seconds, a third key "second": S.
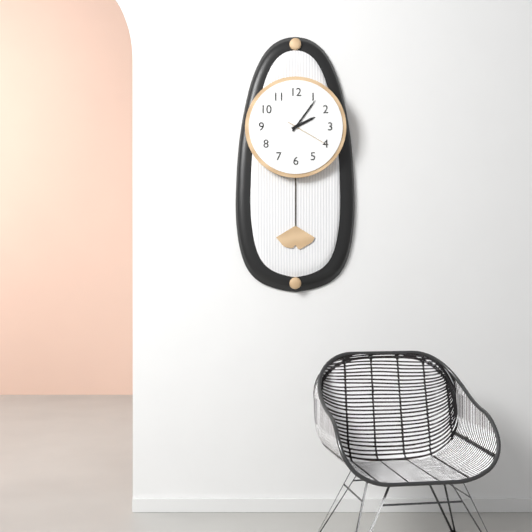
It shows {"hour": 2, "minute": 6}
